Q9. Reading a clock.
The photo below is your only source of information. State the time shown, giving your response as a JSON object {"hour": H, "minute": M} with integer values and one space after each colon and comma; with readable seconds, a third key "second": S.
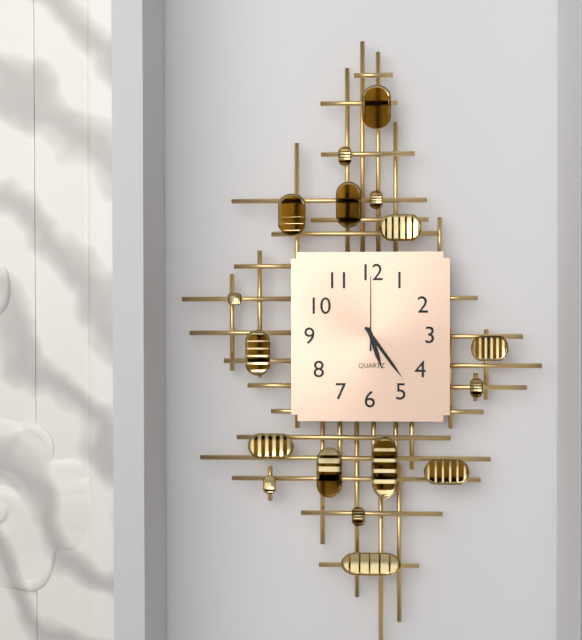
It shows {"hour": 5, "minute": 24, "second": 0}
